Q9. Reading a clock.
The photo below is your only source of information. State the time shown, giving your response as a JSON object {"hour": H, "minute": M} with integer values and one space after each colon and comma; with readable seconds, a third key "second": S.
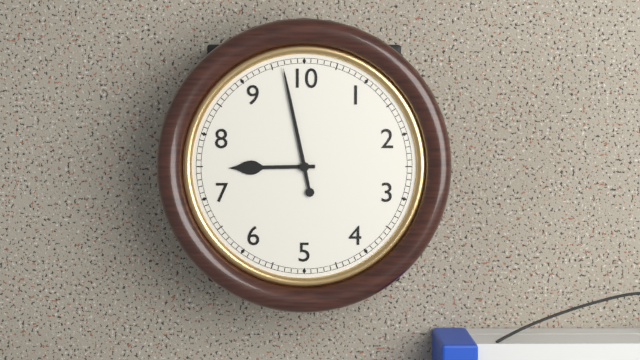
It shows {"hour": 8, "minute": 58}
